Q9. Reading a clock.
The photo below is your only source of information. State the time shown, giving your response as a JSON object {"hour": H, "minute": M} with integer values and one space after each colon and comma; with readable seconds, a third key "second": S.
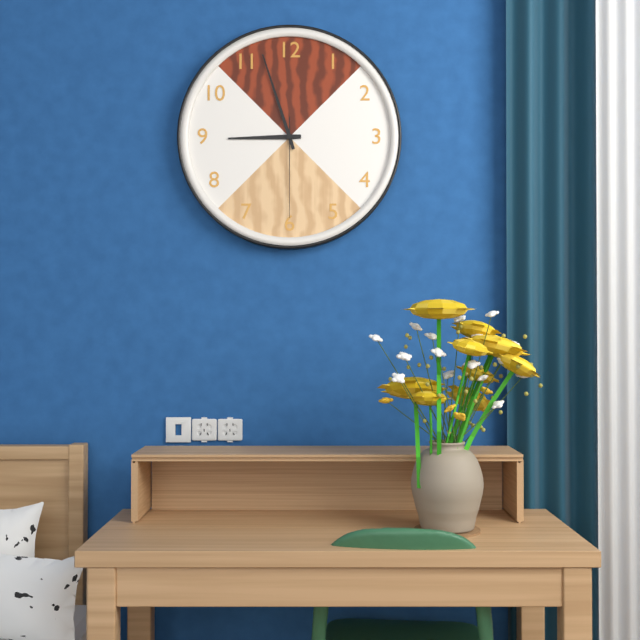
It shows {"hour": 8, "minute": 57, "second": 30}
